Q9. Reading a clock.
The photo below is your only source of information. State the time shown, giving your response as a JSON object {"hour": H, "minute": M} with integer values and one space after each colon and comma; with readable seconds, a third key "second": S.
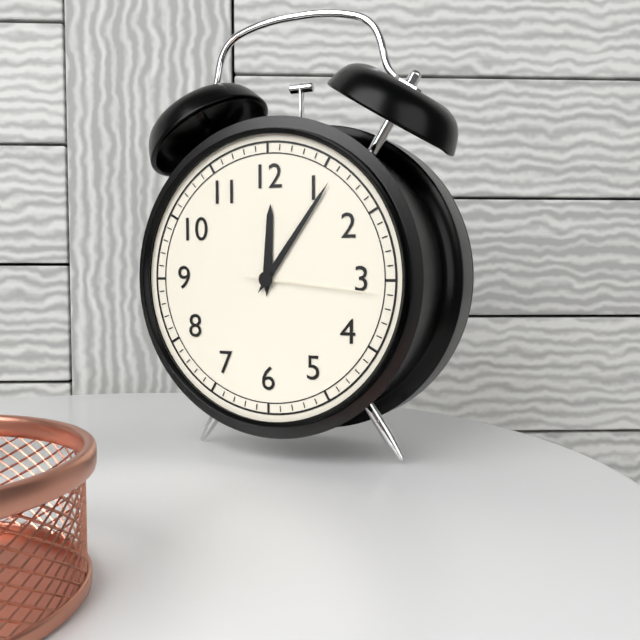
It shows {"hour": 12, "minute": 6, "second": 16}
